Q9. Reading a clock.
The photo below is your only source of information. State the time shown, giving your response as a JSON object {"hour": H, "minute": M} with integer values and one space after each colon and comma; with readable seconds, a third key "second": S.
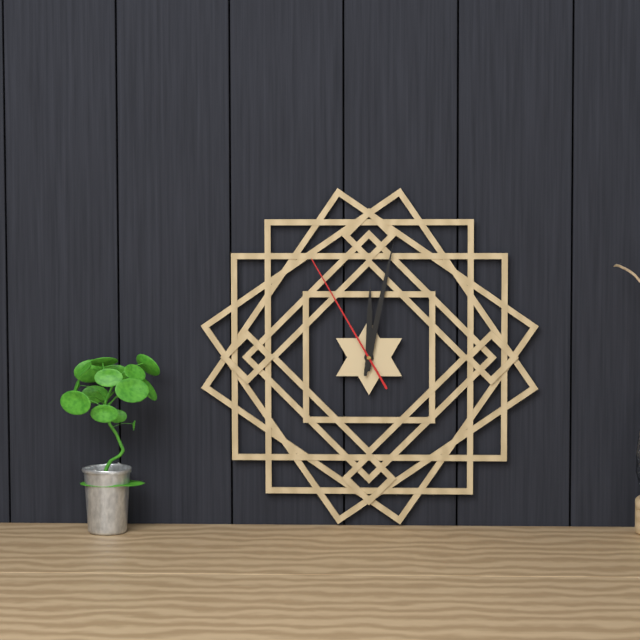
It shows {"hour": 12, "minute": 2, "second": 55}
